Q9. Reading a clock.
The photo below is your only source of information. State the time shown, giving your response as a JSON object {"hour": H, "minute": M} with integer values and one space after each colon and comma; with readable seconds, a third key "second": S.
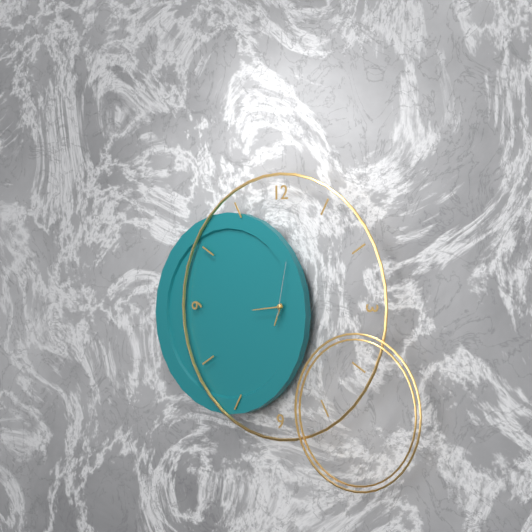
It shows {"hour": 6, "minute": 44, "second": 2}
